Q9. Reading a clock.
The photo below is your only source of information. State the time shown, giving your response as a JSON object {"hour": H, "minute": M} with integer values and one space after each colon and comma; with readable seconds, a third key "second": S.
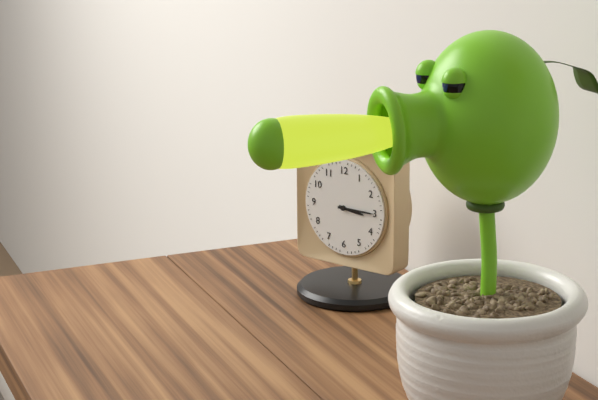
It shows {"hour": 3, "minute": 15}
